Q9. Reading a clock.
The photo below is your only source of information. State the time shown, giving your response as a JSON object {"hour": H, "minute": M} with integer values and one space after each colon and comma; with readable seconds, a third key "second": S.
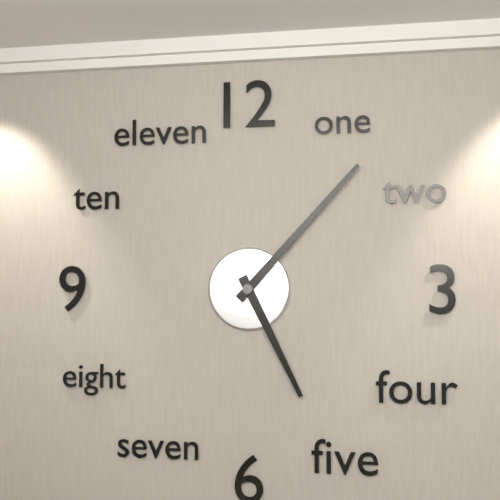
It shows {"hour": 5, "minute": 7}
